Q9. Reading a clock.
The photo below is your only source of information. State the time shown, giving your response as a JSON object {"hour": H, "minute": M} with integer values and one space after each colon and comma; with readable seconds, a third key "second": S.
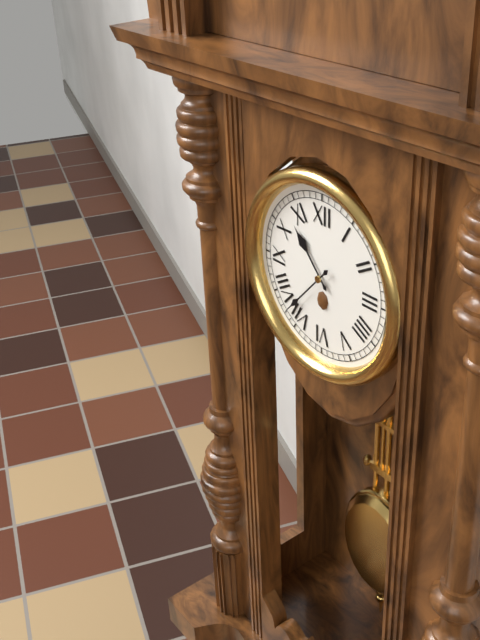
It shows {"hour": 10, "minute": 37}
